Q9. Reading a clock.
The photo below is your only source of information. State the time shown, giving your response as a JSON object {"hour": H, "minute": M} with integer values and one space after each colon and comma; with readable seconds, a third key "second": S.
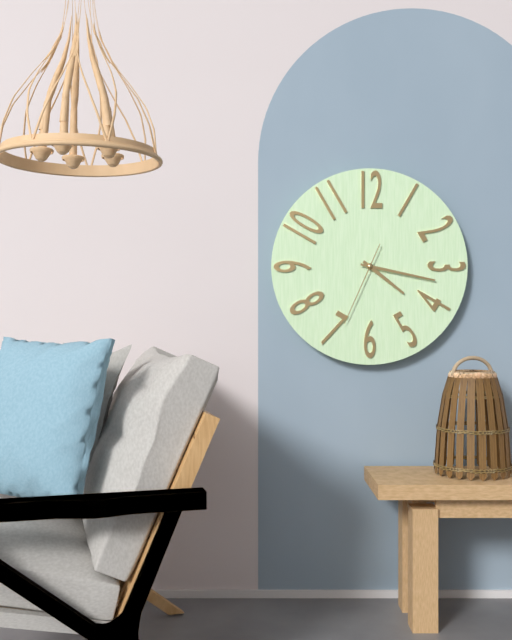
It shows {"hour": 4, "minute": 17, "second": 34}
